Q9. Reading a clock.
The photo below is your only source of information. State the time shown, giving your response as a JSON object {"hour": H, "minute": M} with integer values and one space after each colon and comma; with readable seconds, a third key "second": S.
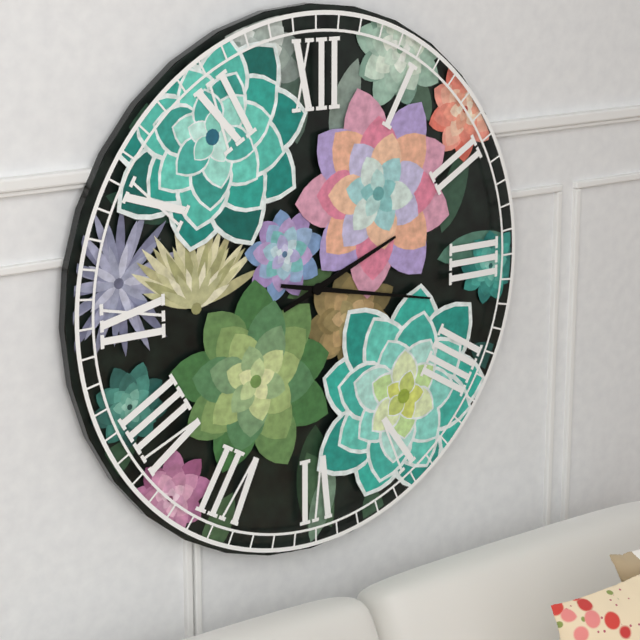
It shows {"hour": 2, "minute": 17}
